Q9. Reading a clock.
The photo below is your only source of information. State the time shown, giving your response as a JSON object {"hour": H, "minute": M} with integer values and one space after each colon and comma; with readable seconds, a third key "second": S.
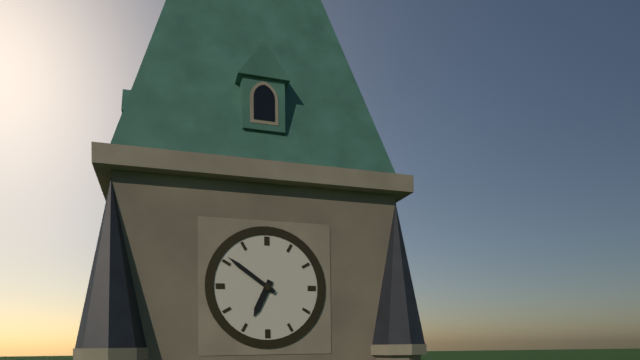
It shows {"hour": 6, "minute": 51}
